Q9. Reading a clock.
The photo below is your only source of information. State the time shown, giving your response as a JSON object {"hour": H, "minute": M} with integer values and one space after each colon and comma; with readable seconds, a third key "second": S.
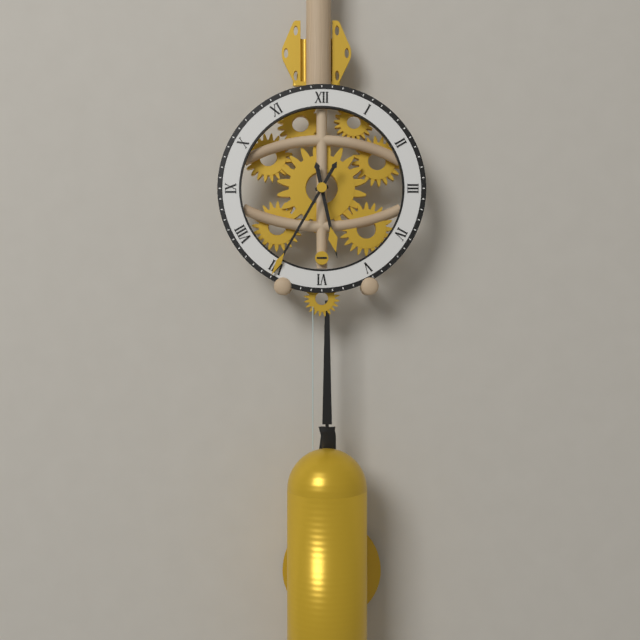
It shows {"hour": 5, "minute": 35}
